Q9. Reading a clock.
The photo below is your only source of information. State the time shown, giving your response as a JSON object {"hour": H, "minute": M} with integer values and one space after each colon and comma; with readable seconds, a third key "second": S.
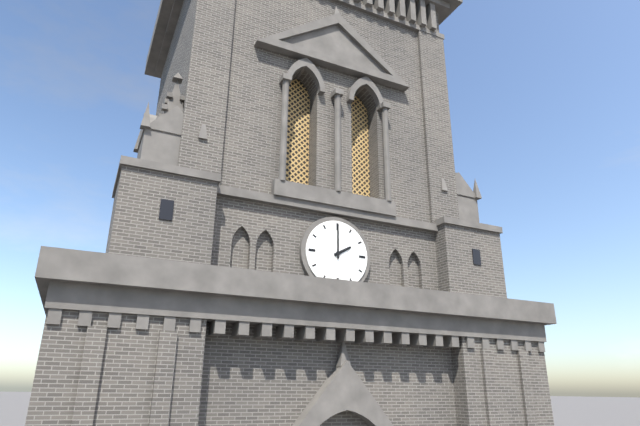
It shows {"hour": 2, "minute": 0}
